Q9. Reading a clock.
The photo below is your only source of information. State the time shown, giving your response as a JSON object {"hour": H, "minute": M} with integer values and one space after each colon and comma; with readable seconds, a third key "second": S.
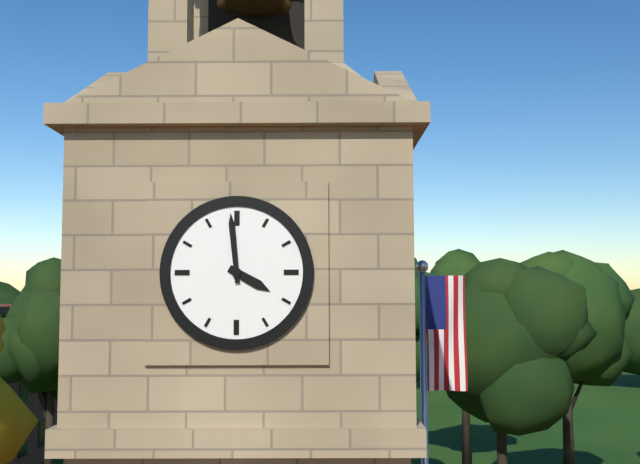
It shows {"hour": 3, "minute": 59}
